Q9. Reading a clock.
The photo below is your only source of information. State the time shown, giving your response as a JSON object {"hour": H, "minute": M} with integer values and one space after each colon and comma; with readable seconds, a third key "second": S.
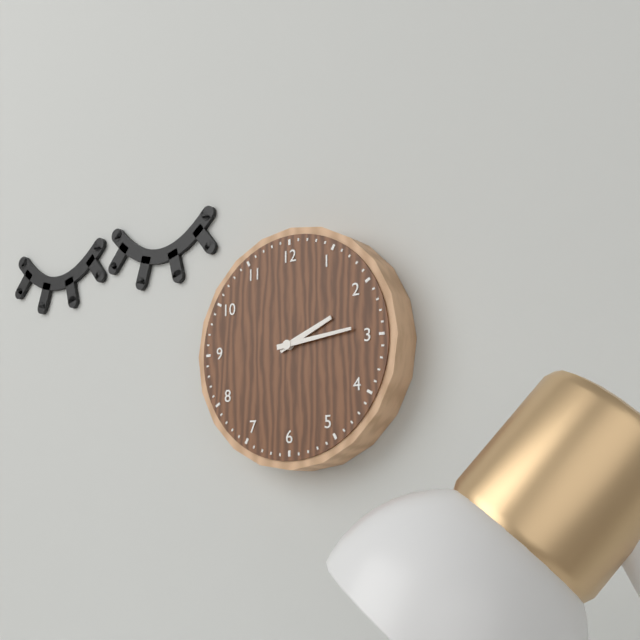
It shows {"hour": 2, "minute": 14}
